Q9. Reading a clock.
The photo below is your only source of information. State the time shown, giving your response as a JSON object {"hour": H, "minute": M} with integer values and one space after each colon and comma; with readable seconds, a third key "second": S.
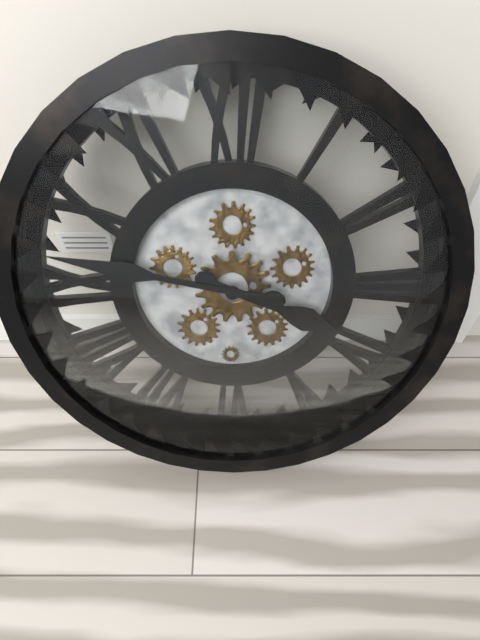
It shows {"hour": 3, "minute": 47}
